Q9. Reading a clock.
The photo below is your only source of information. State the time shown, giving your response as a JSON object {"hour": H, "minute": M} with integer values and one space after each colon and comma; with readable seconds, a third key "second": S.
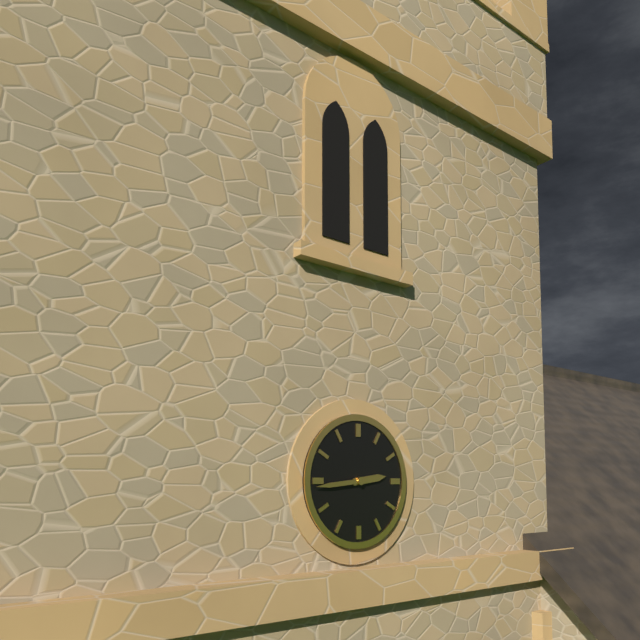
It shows {"hour": 2, "minute": 44}
